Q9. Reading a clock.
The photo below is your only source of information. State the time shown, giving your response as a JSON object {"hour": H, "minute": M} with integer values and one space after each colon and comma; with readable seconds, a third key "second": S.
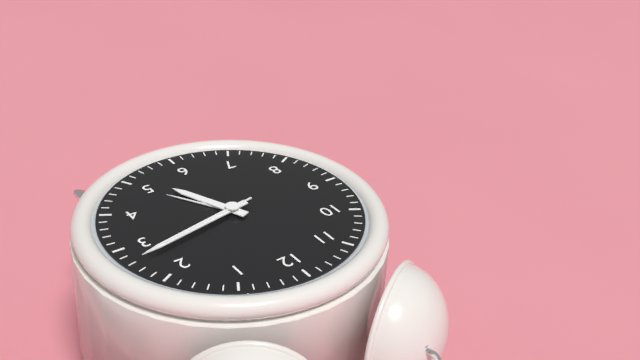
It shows {"hour": 5, "minute": 13, "second": 13}
